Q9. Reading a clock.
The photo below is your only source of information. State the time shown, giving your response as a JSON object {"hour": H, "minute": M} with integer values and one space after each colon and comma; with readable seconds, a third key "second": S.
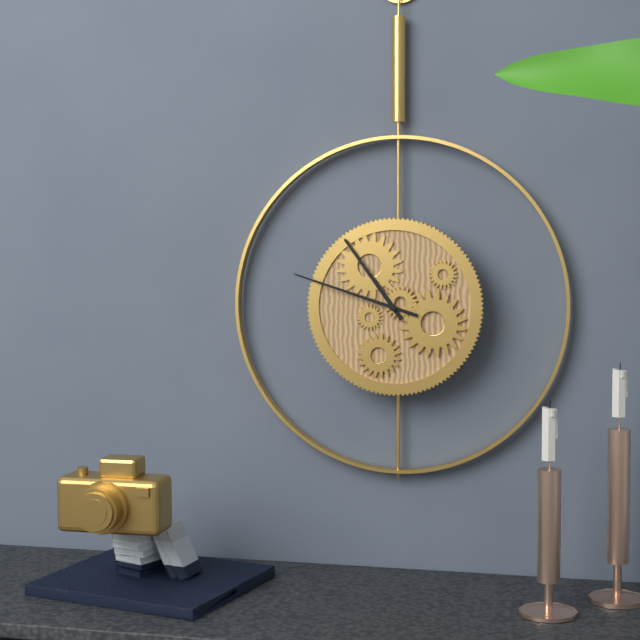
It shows {"hour": 10, "minute": 48}
